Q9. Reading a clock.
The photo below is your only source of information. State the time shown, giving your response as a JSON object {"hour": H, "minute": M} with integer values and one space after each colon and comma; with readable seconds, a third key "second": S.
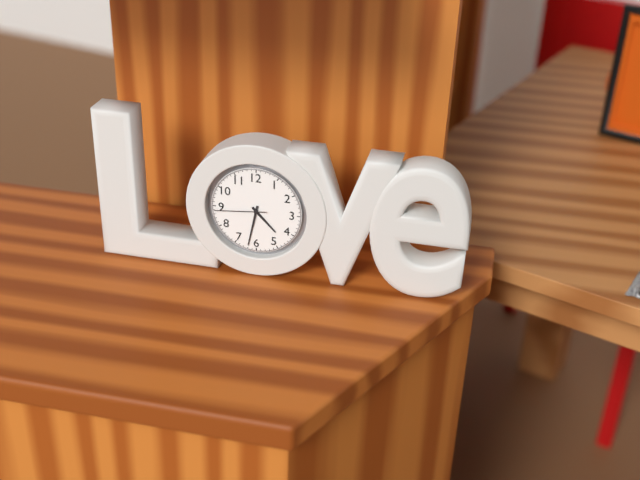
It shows {"hour": 4, "minute": 32, "second": 44}
